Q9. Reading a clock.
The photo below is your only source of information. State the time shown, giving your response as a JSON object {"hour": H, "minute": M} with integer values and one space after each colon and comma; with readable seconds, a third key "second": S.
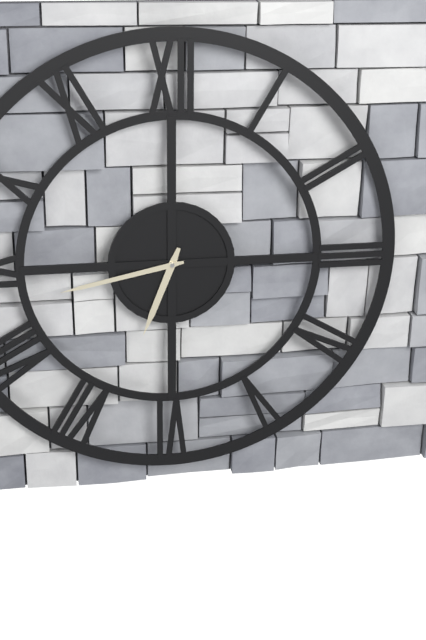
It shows {"hour": 6, "minute": 43}
